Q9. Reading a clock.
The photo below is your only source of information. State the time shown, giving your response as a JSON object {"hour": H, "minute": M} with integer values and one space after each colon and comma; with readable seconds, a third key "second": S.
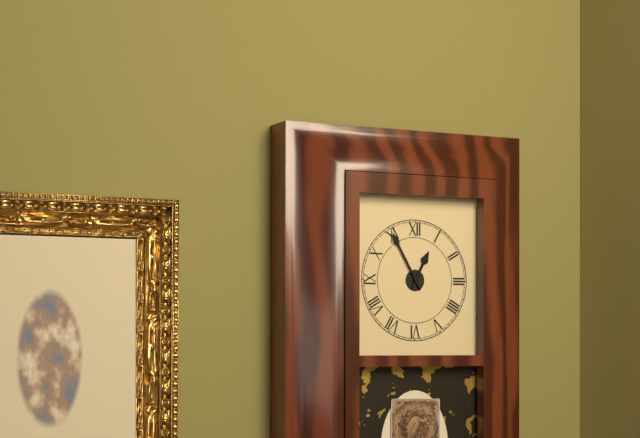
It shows {"hour": 12, "minute": 55}
